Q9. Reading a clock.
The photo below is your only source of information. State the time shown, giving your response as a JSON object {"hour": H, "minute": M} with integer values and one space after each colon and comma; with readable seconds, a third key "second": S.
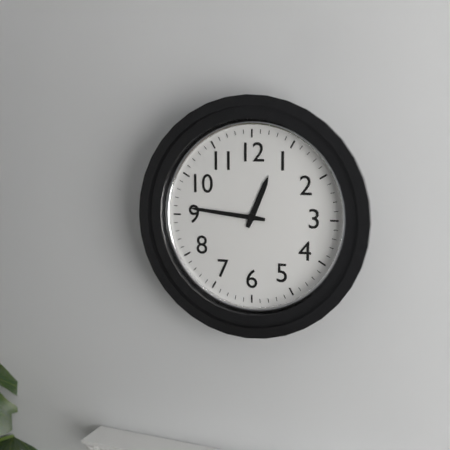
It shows {"hour": 12, "minute": 46}
